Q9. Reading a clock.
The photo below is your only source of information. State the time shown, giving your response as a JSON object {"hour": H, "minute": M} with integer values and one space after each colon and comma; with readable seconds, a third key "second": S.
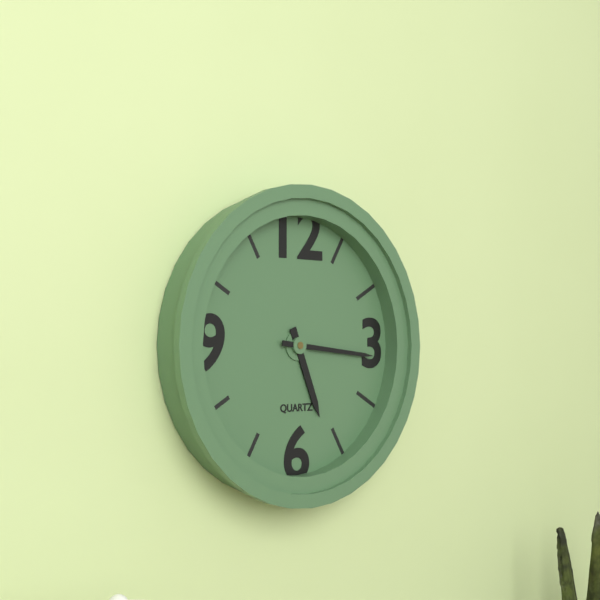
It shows {"hour": 5, "minute": 16}
